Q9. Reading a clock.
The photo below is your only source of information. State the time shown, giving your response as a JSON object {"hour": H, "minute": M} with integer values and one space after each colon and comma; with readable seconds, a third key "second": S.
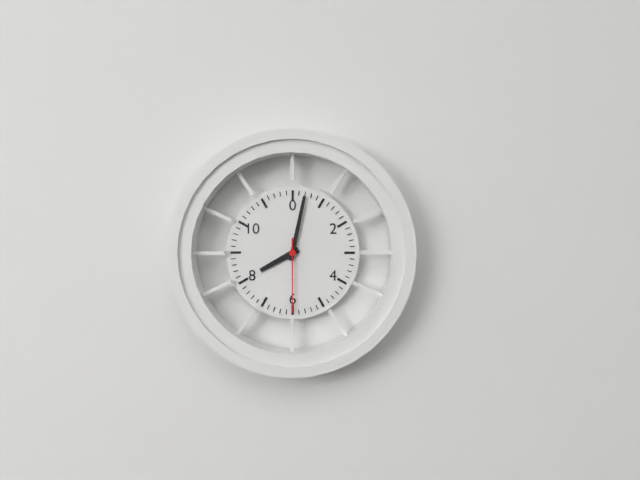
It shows {"hour": 8, "minute": 2, "second": 30}
